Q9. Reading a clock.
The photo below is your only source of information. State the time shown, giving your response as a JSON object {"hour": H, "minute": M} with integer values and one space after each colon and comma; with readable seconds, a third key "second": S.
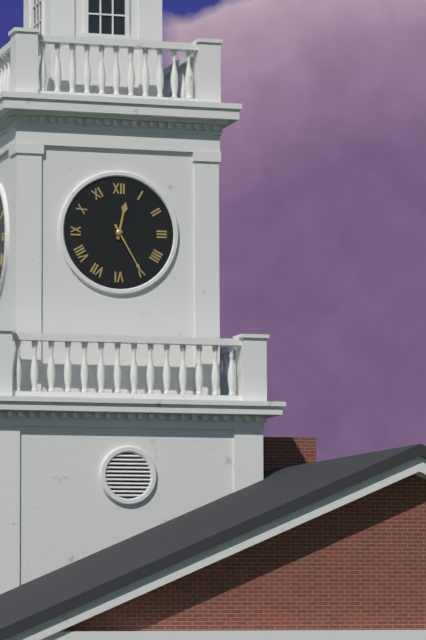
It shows {"hour": 12, "minute": 25}
